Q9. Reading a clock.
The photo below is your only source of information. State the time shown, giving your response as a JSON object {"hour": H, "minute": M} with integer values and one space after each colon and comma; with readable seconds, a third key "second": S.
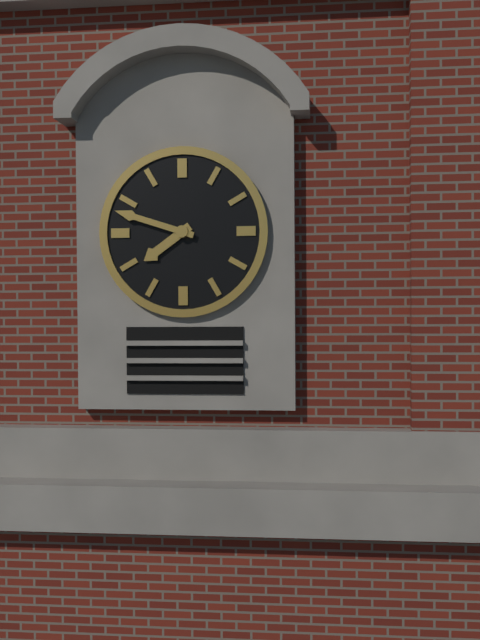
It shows {"hour": 7, "minute": 48}
